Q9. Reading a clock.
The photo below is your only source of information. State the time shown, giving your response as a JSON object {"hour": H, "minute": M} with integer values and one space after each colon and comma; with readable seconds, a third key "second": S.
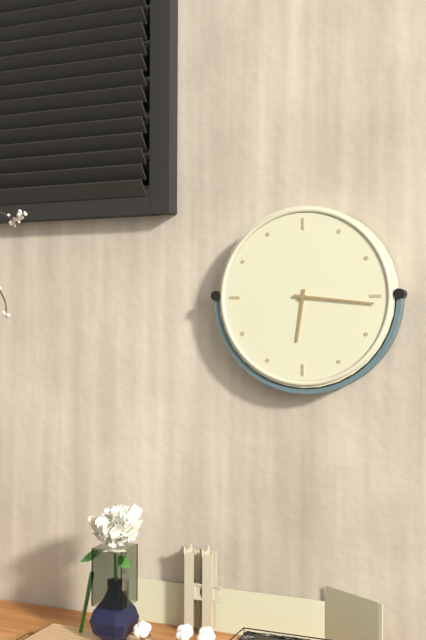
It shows {"hour": 6, "minute": 16}
